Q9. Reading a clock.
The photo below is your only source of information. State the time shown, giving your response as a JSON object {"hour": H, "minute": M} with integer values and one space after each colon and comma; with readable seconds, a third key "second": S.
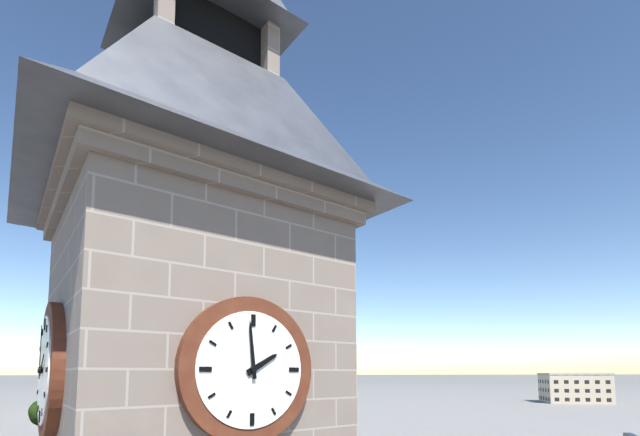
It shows {"hour": 1, "minute": 59}
